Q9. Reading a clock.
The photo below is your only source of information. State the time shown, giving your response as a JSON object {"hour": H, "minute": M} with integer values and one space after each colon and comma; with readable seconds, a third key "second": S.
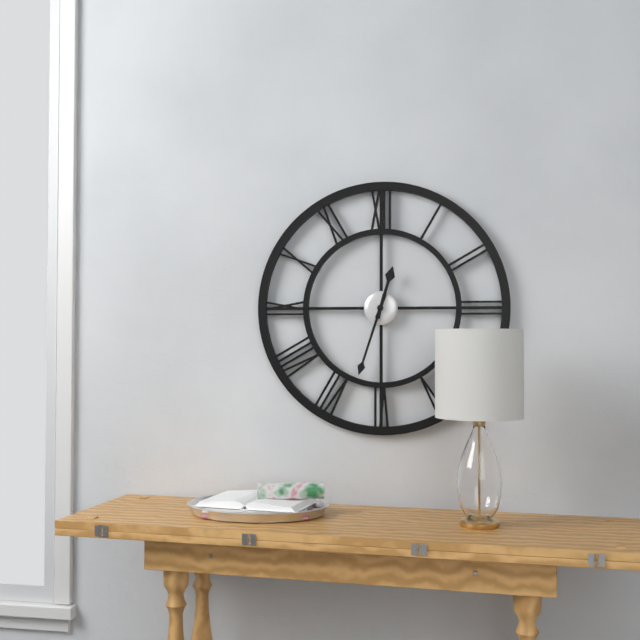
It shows {"hour": 12, "minute": 33}
